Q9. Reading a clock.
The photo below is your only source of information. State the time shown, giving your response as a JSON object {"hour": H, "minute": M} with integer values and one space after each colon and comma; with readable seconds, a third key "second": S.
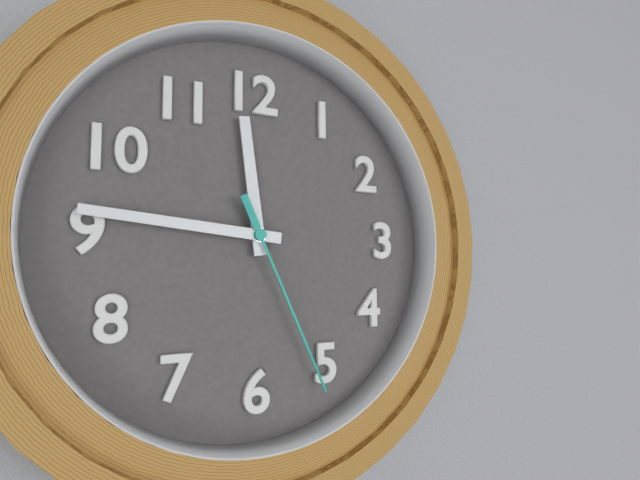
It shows {"hour": 11, "minute": 46, "second": 26}
